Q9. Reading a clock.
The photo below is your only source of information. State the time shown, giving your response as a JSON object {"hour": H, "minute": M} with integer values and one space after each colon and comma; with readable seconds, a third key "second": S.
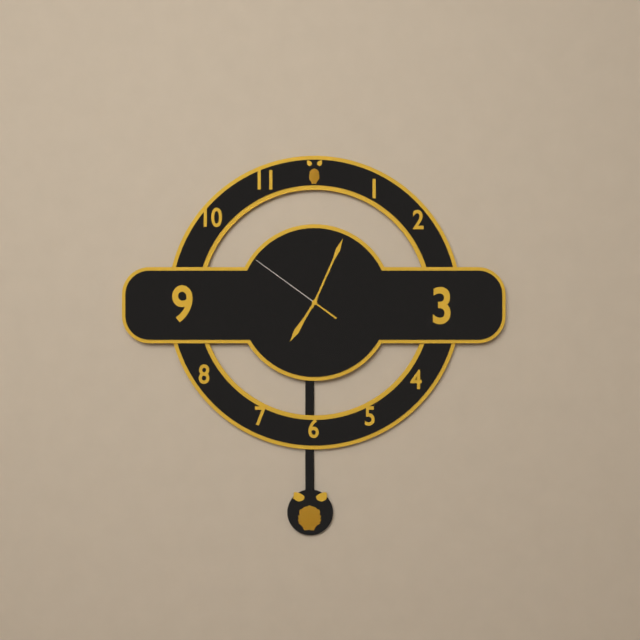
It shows {"hour": 7, "minute": 4, "second": 51}
